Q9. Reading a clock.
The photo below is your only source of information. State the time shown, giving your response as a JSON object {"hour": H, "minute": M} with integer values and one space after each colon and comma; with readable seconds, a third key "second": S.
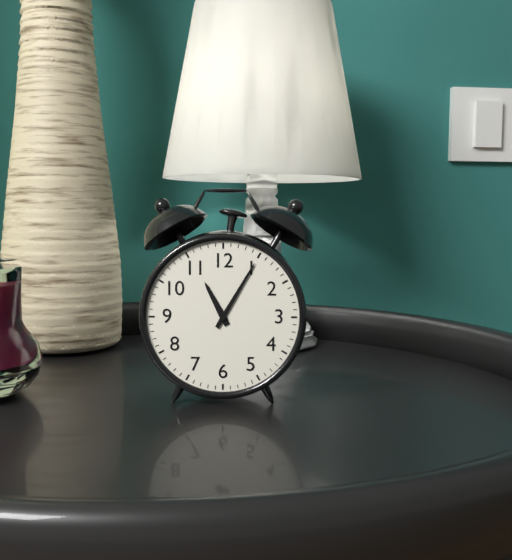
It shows {"hour": 11, "minute": 5}
